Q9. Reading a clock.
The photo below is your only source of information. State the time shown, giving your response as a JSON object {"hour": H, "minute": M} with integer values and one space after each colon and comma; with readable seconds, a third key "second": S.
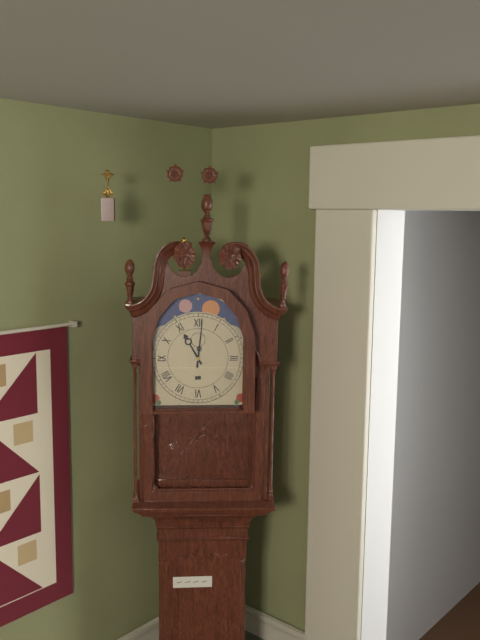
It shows {"hour": 11, "minute": 1}
